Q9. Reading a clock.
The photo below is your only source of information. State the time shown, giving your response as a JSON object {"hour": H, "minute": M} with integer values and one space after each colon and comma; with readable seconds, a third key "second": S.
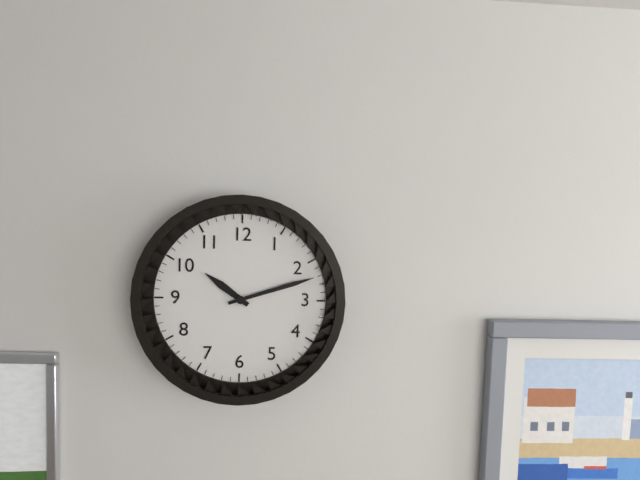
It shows {"hour": 10, "minute": 12}
